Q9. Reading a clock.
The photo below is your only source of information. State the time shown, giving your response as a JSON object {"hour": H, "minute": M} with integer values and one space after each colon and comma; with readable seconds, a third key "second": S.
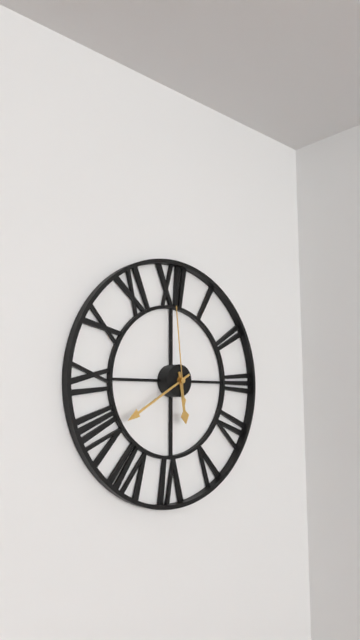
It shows {"hour": 5, "minute": 40, "second": 59}
